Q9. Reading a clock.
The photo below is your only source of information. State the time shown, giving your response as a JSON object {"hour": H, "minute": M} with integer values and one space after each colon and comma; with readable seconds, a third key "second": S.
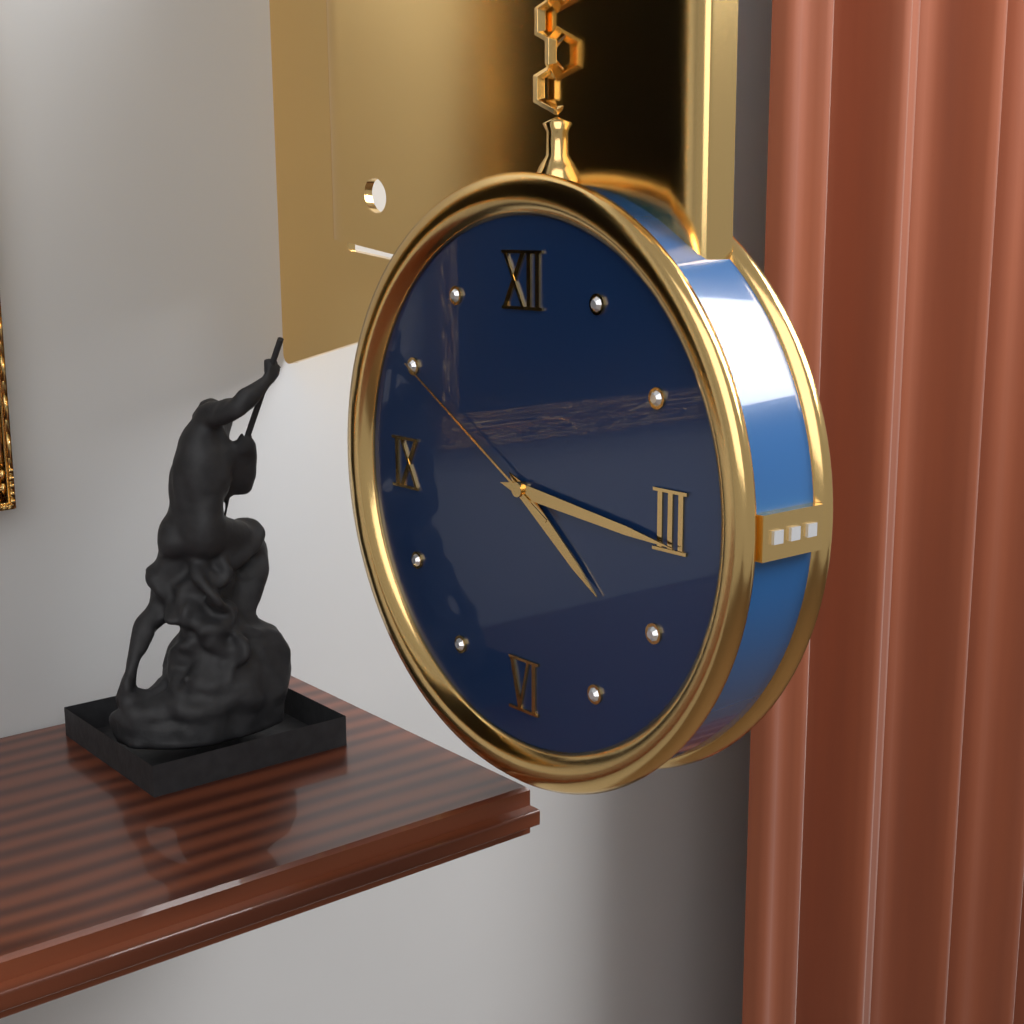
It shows {"hour": 4, "minute": 16, "second": 50}
